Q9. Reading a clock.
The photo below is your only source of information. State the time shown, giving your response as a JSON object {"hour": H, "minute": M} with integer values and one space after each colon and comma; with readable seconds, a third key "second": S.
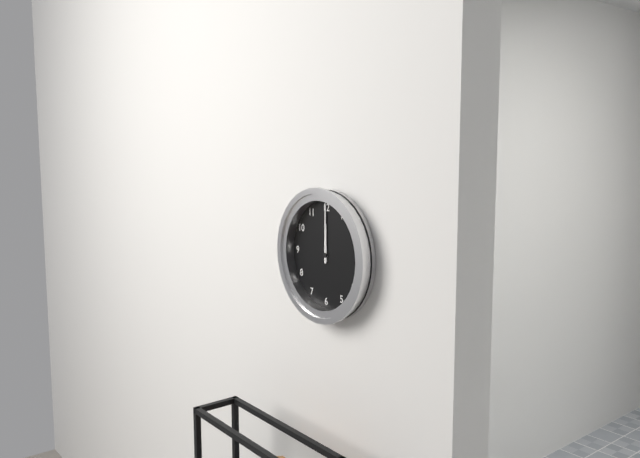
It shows {"hour": 12, "minute": 0}
